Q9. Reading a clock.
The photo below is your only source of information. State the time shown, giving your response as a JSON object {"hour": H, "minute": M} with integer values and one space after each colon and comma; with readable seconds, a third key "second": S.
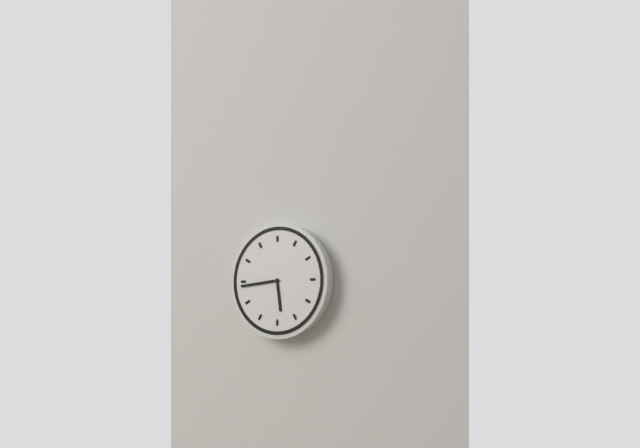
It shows {"hour": 5, "minute": 44}
